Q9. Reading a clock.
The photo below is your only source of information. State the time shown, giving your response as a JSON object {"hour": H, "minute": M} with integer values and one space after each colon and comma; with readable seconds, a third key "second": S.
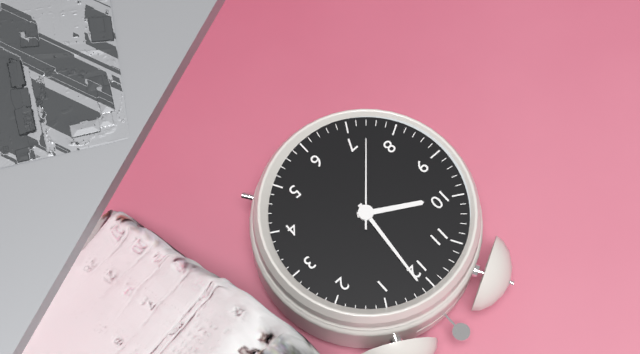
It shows {"hour": 10, "minute": 1, "second": 37}
